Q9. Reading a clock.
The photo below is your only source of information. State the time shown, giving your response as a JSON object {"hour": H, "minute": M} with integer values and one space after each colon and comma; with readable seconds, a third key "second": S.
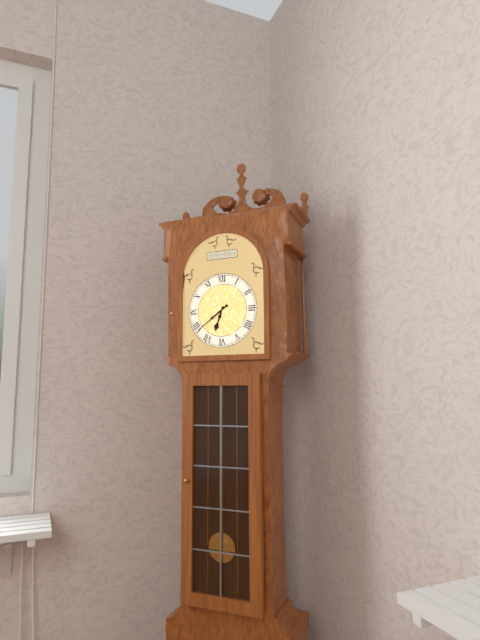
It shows {"hour": 6, "minute": 39}
